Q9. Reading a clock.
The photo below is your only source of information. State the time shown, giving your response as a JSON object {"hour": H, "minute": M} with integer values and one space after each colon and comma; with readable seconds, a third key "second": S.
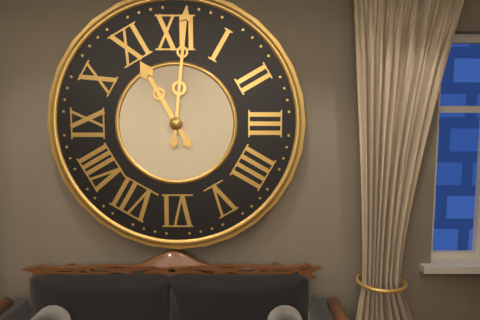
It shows {"hour": 11, "minute": 1}
